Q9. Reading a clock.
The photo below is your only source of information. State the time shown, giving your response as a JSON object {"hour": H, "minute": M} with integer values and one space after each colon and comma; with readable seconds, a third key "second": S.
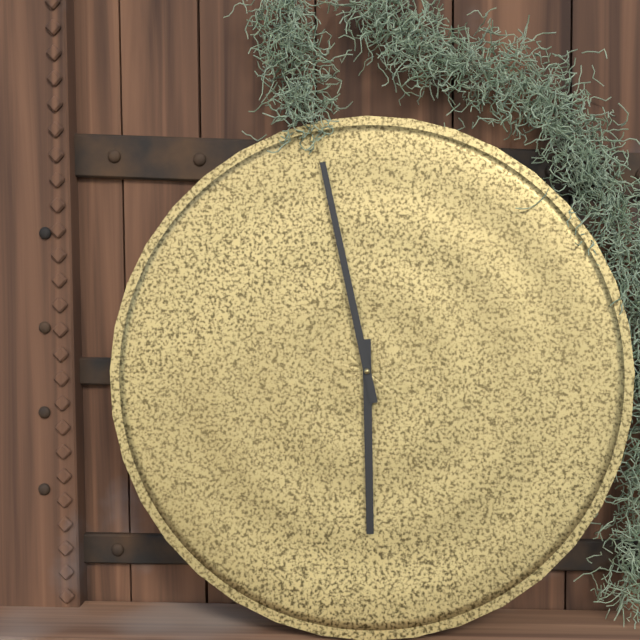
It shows {"hour": 5, "minute": 58}
